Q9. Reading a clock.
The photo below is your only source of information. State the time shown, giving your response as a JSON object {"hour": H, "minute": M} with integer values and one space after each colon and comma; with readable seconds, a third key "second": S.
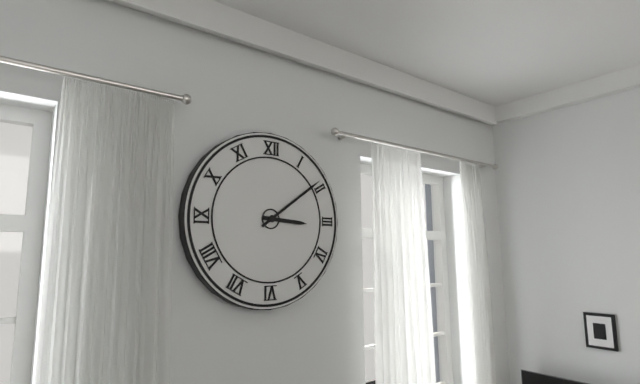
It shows {"hour": 3, "minute": 9}
